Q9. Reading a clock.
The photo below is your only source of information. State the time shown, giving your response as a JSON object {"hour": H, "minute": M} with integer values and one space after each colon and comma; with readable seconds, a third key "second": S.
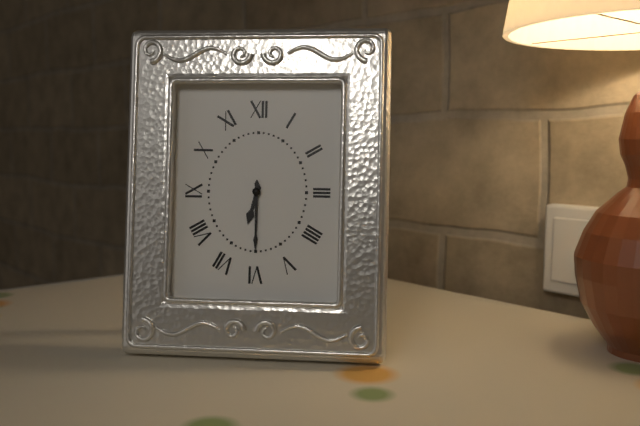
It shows {"hour": 6, "minute": 30}
